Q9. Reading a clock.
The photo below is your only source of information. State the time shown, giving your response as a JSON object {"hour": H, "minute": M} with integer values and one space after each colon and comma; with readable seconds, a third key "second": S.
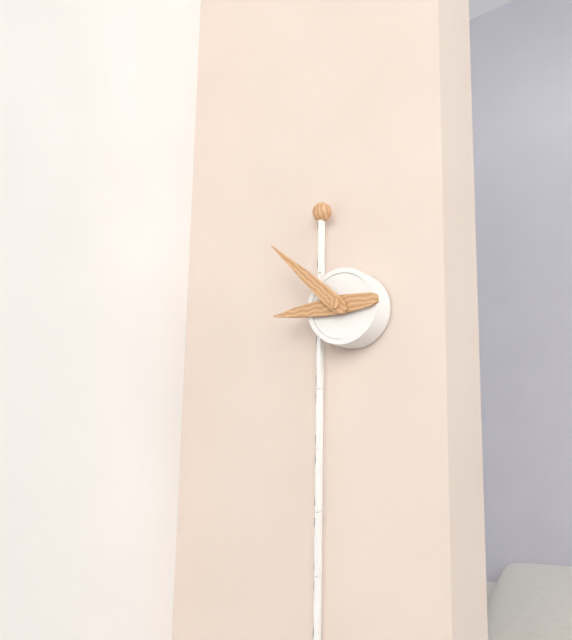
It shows {"hour": 8, "minute": 52}
